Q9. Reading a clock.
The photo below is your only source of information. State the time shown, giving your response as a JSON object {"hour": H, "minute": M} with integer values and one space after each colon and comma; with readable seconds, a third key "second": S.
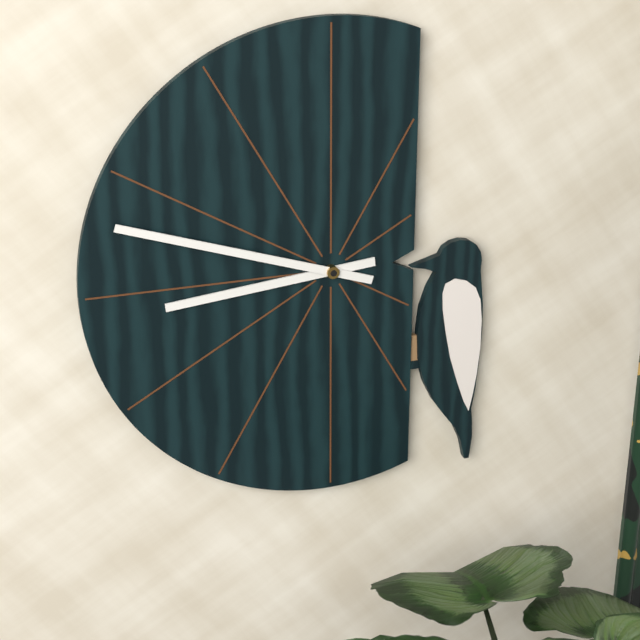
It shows {"hour": 8, "minute": 48}
